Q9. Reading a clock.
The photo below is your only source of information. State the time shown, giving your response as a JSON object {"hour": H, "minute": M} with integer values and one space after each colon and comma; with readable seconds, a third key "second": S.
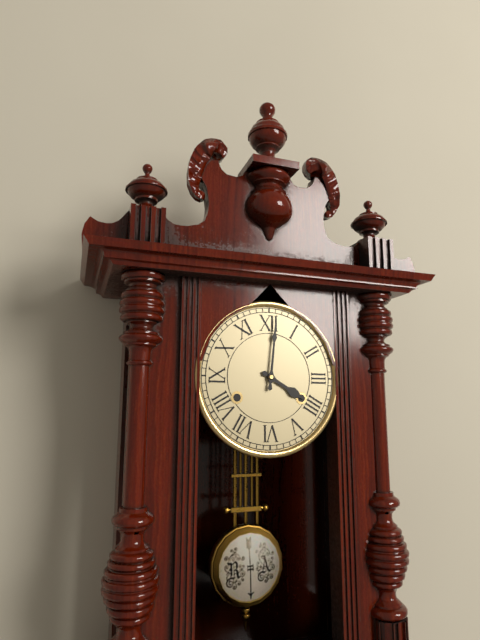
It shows {"hour": 4, "minute": 1}
